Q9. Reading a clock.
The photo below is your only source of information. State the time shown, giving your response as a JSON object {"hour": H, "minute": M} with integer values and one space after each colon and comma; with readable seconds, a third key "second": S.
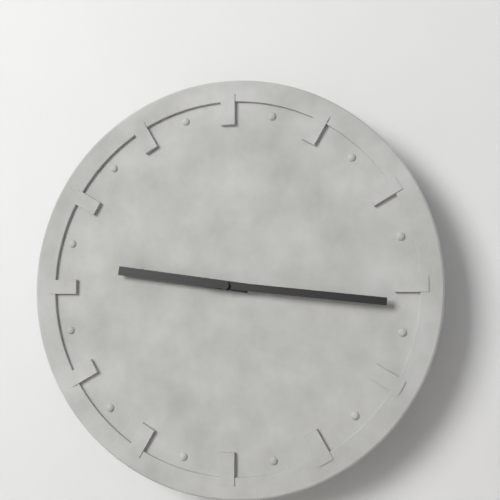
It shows {"hour": 9, "minute": 16}
